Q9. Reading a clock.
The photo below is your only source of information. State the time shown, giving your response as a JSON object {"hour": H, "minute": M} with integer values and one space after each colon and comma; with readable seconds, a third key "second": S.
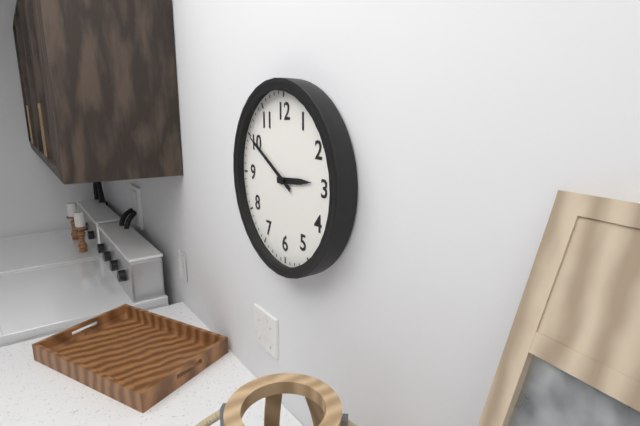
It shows {"hour": 2, "minute": 50}
